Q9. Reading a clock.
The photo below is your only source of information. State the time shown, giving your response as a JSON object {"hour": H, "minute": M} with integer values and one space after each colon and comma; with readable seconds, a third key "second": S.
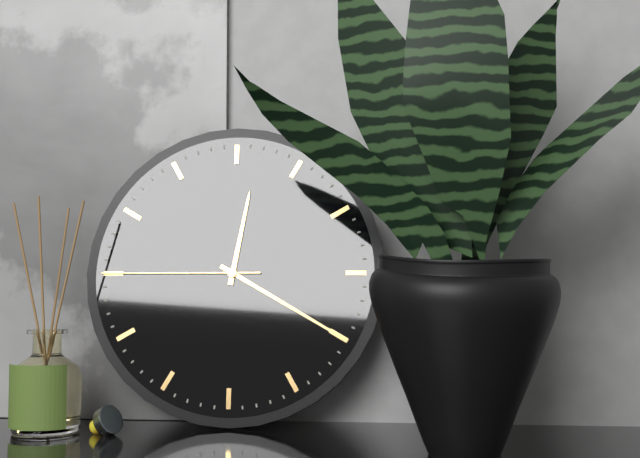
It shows {"hour": 12, "minute": 20, "second": 45}
